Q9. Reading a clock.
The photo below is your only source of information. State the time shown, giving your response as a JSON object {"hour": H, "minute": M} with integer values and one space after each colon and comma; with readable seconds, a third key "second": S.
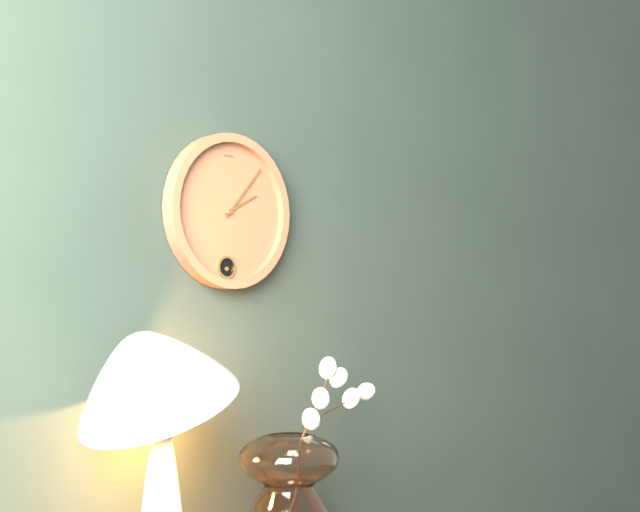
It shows {"hour": 2, "minute": 7}
